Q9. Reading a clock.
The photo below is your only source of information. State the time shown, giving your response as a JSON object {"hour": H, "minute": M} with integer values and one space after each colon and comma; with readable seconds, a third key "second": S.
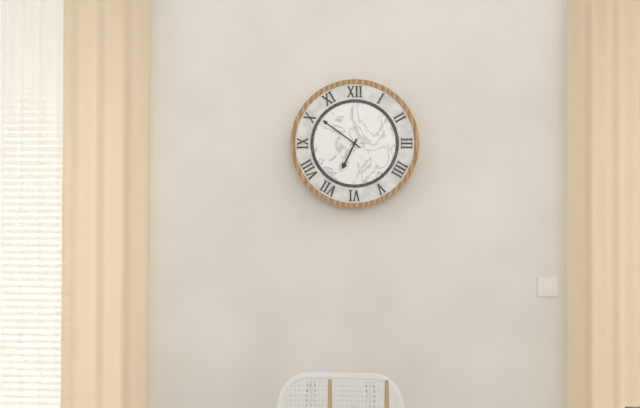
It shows {"hour": 6, "minute": 51}
